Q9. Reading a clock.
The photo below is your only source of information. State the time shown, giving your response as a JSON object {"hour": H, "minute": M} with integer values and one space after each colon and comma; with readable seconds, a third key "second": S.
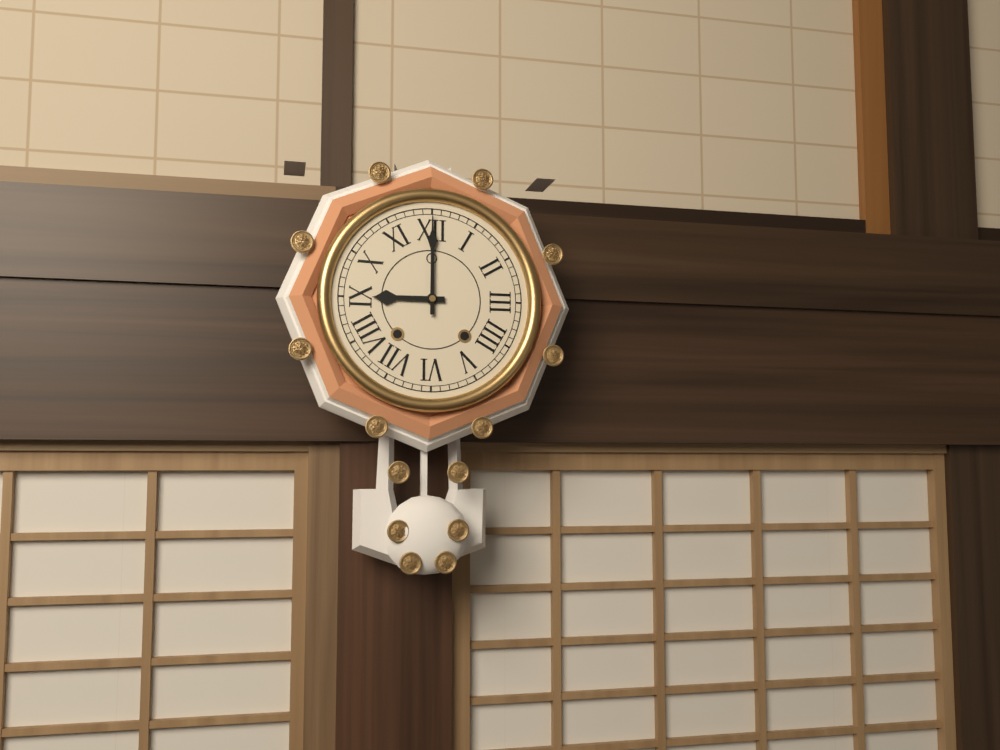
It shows {"hour": 9, "minute": 0}
